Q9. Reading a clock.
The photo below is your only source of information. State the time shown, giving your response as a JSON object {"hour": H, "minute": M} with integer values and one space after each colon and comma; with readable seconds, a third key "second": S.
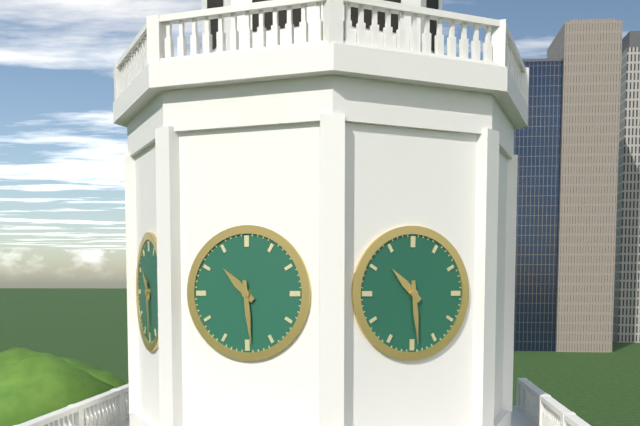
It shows {"hour": 10, "minute": 29}
